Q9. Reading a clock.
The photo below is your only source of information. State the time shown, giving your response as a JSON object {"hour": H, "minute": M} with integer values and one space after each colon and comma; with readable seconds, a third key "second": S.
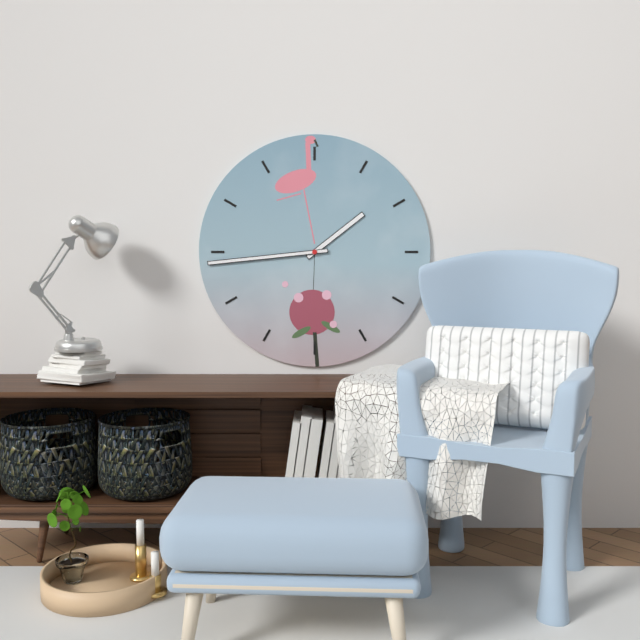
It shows {"hour": 1, "minute": 44}
